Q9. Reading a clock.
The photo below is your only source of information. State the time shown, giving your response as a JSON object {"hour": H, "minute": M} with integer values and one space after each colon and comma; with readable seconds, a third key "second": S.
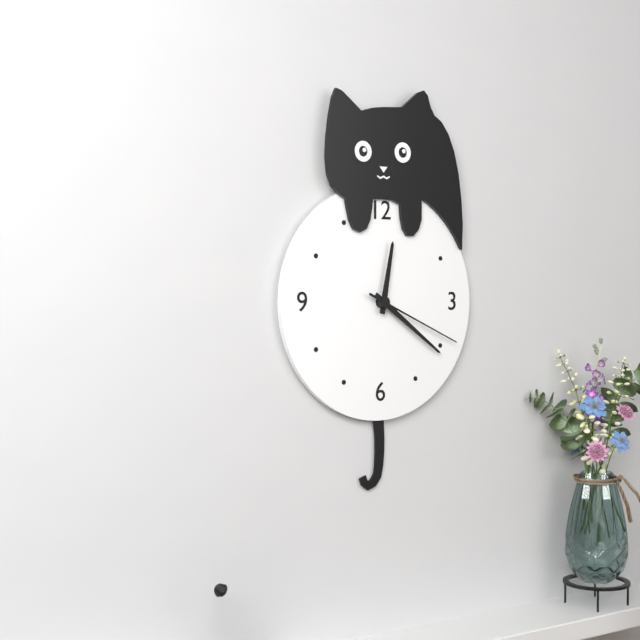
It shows {"hour": 12, "minute": 21, "second": 19}
